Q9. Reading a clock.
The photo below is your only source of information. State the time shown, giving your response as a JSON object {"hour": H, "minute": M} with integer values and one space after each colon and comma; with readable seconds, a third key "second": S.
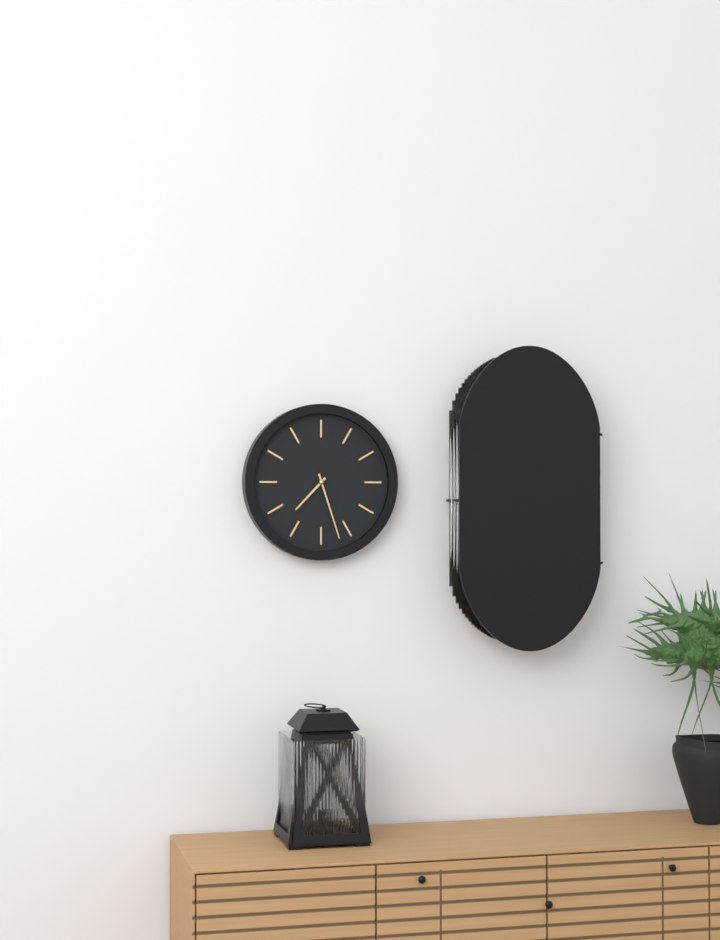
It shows {"hour": 7, "minute": 27}
